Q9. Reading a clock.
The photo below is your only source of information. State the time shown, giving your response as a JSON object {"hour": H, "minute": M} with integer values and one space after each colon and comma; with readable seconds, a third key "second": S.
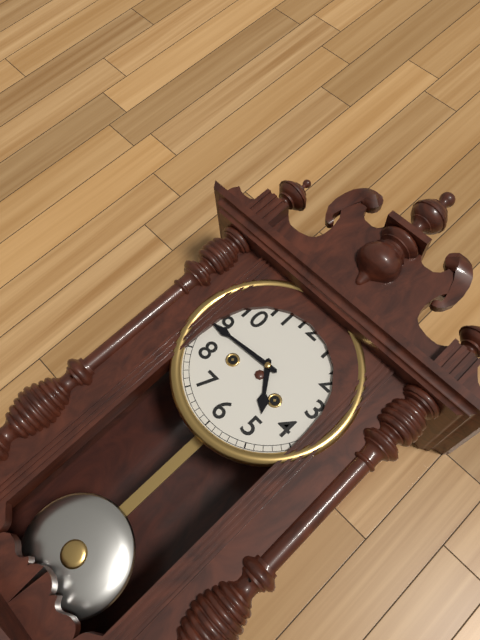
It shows {"hour": 4, "minute": 44}
